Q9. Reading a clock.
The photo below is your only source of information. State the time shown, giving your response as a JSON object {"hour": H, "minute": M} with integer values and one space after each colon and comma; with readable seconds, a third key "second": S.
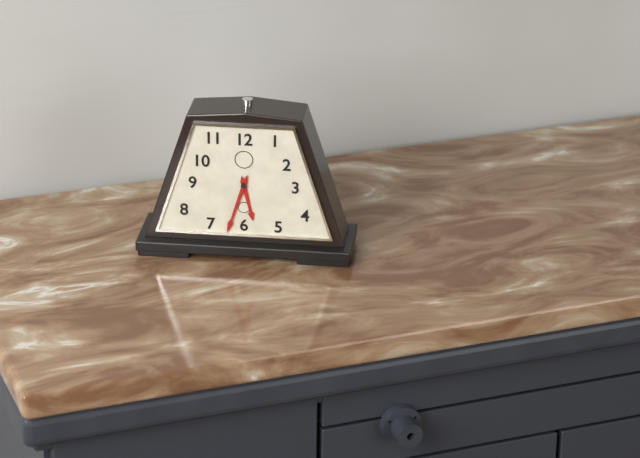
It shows {"hour": 5, "minute": 33}
